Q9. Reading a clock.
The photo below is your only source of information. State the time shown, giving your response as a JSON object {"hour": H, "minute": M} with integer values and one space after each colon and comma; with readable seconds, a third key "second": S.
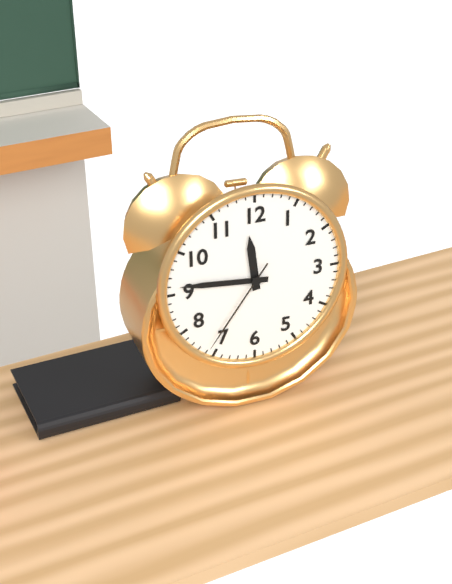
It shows {"hour": 11, "minute": 46, "second": 36}
